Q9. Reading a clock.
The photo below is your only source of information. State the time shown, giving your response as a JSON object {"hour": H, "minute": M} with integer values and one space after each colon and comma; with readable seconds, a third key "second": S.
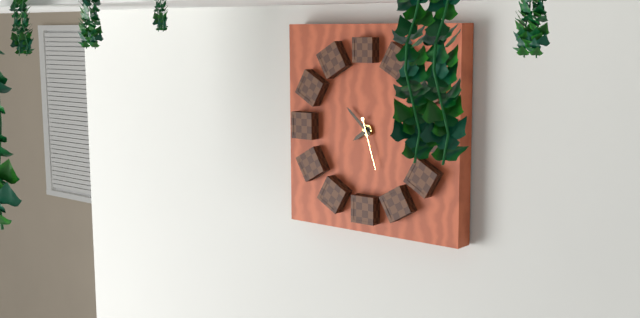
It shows {"hour": 7, "minute": 52, "second": 27}
